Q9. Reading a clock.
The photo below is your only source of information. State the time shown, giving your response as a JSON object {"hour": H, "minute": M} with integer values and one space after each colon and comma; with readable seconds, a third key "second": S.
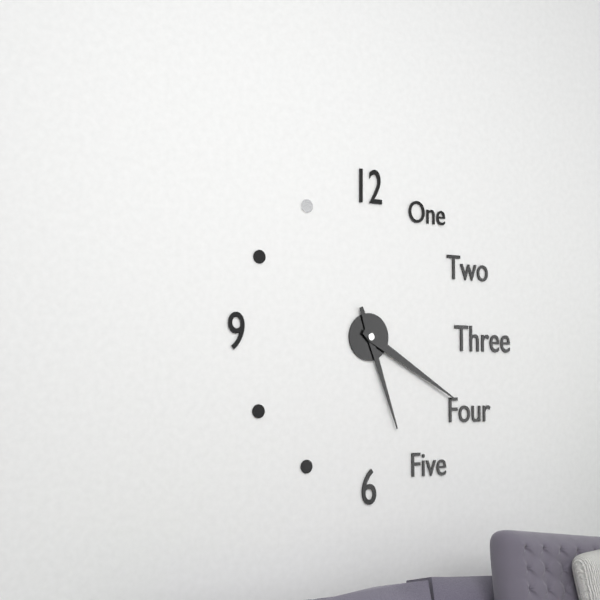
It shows {"hour": 5, "minute": 20}
